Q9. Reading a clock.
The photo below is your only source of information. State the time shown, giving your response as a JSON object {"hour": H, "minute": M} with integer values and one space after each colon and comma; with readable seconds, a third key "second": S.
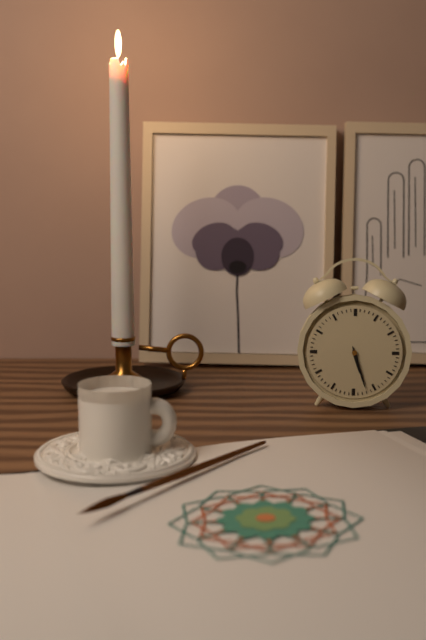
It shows {"hour": 5, "minute": 27}
